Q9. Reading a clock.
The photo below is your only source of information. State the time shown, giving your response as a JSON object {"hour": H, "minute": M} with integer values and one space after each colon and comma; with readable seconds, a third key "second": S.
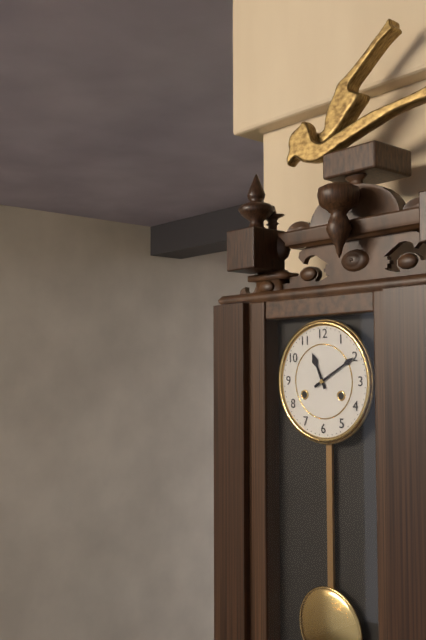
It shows {"hour": 11, "minute": 10}
